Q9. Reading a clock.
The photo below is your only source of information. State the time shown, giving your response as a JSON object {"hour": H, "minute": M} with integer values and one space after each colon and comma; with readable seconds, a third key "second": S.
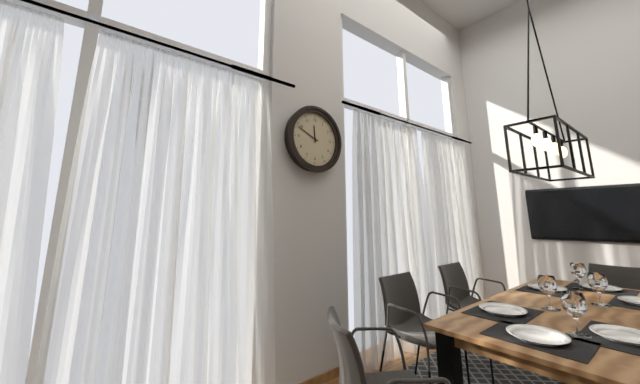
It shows {"hour": 11, "minute": 49}
